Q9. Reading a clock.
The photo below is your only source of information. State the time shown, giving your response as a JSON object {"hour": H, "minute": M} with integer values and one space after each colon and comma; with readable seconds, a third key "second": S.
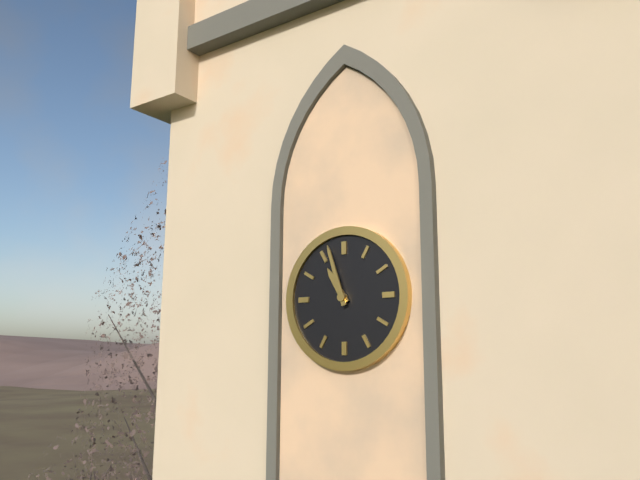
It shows {"hour": 10, "minute": 57}
